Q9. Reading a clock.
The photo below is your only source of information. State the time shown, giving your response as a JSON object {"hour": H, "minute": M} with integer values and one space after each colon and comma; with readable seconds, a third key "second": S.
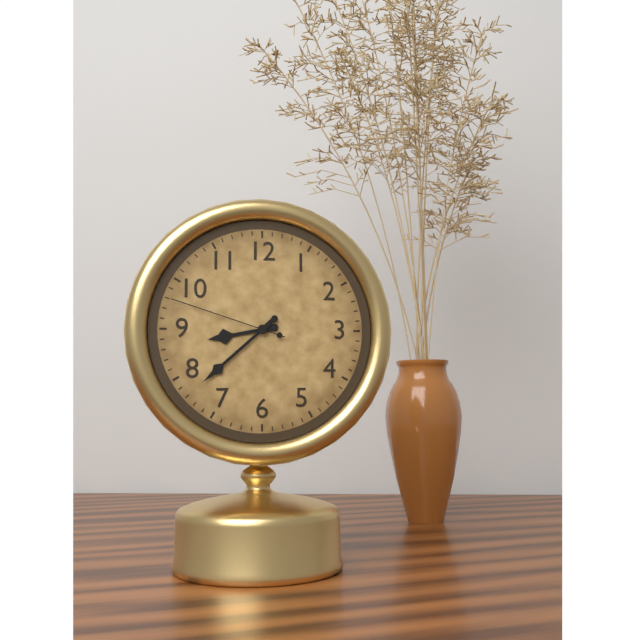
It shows {"hour": 8, "minute": 38, "second": 48}
